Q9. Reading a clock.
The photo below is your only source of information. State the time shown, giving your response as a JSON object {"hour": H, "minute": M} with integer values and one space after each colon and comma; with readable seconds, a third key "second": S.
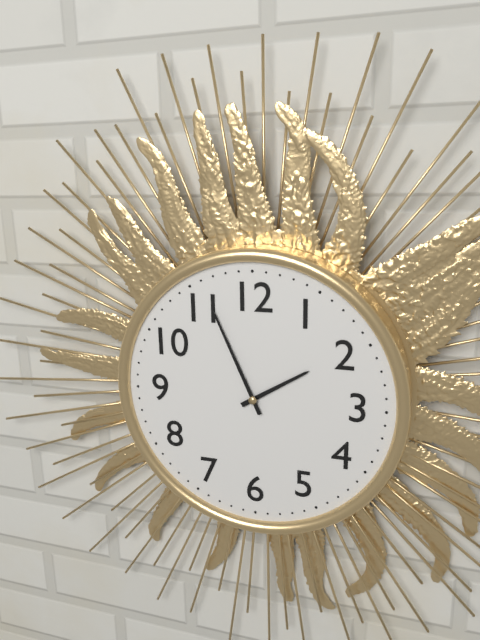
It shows {"hour": 1, "minute": 56}
